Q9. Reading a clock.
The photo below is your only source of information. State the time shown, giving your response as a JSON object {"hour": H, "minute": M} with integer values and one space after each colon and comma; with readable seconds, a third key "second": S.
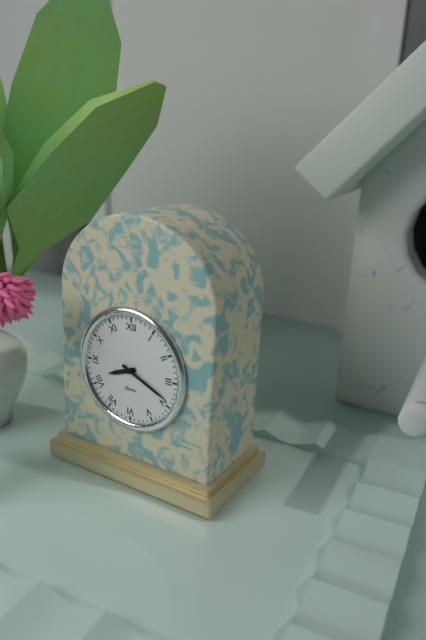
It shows {"hour": 8, "minute": 19}
